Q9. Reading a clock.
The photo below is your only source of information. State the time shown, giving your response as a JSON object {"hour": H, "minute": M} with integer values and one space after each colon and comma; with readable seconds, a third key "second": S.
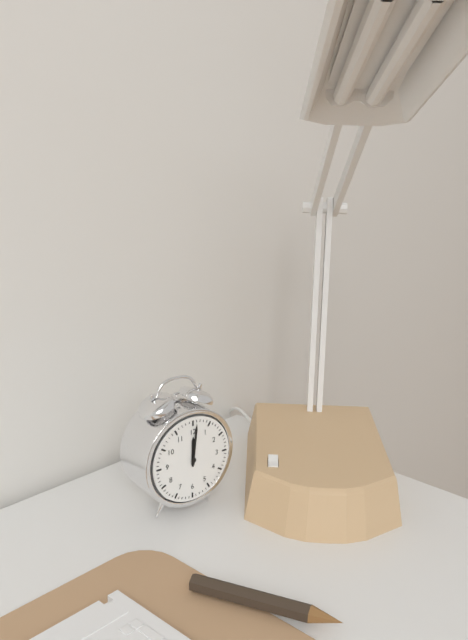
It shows {"hour": 12, "minute": 1}
